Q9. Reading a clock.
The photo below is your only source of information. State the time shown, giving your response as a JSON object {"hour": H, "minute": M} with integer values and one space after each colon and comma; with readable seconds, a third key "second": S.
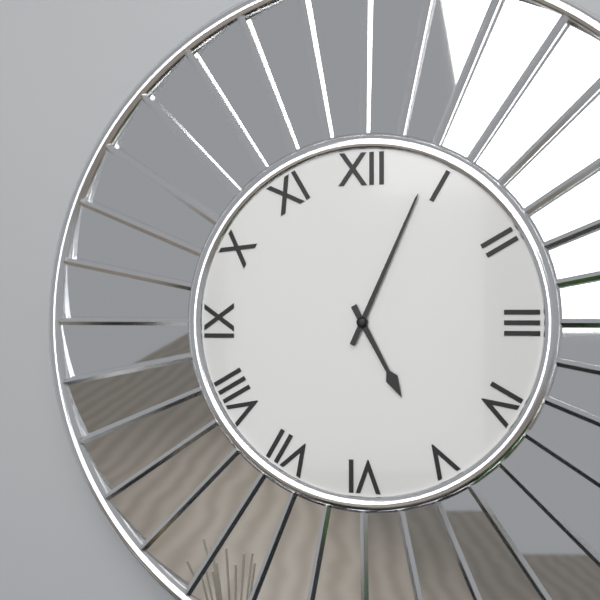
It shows {"hour": 5, "minute": 4}
